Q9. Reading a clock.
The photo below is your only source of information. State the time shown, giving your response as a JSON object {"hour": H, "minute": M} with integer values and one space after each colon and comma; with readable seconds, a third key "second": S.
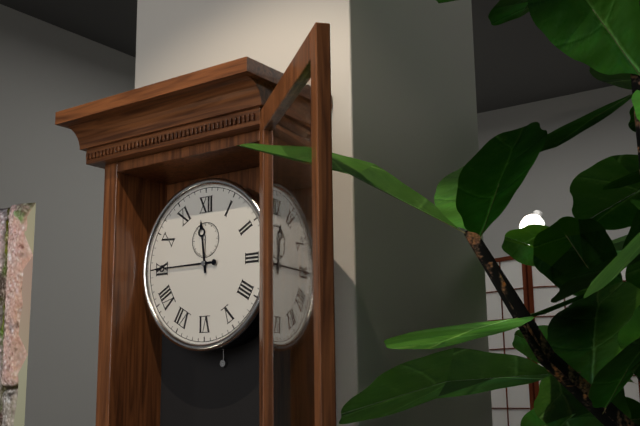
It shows {"hour": 11, "minute": 45}
